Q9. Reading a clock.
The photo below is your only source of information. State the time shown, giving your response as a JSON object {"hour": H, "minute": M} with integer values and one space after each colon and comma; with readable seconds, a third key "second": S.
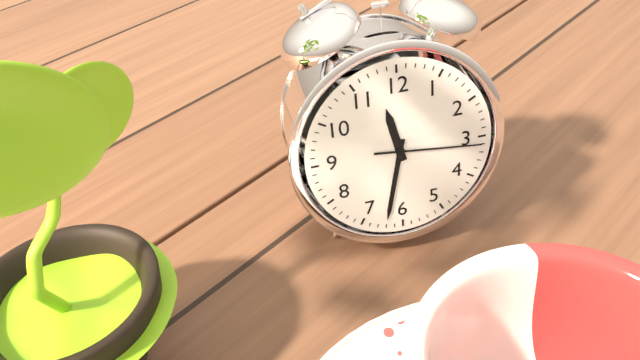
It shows {"hour": 11, "minute": 32, "second": 16}
